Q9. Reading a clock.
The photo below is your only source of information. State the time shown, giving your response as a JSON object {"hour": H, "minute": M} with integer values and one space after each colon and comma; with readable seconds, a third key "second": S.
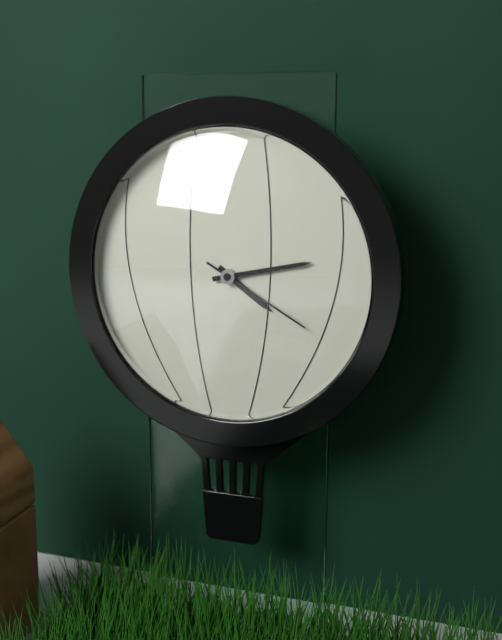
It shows {"hour": 4, "minute": 13, "second": 20}
